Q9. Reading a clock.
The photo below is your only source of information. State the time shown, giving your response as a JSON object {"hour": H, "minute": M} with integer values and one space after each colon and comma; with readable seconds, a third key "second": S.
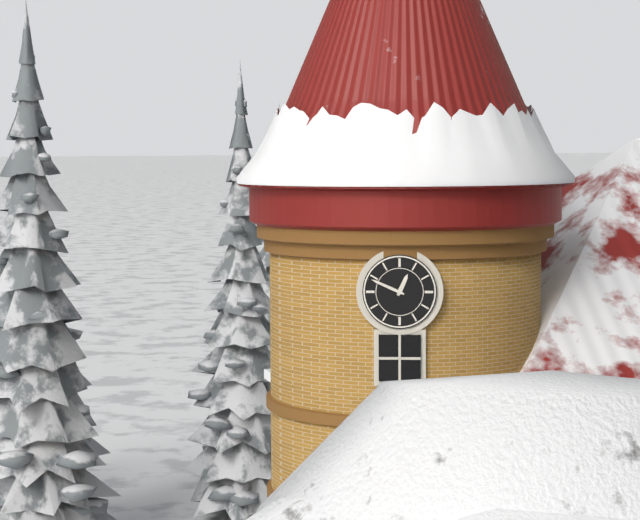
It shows {"hour": 12, "minute": 49}
